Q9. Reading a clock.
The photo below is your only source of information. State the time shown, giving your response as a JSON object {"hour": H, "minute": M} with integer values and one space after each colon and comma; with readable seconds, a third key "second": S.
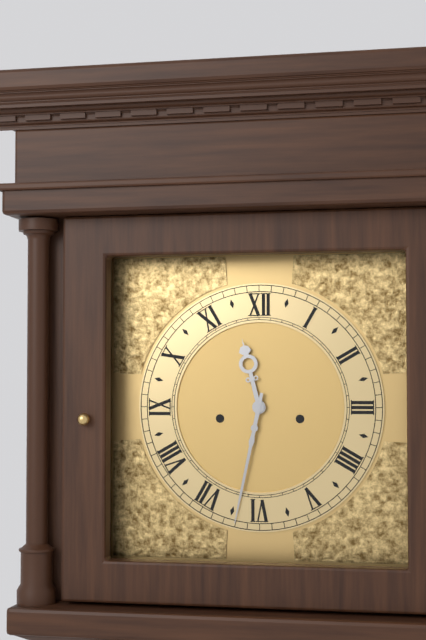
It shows {"hour": 11, "minute": 32}
